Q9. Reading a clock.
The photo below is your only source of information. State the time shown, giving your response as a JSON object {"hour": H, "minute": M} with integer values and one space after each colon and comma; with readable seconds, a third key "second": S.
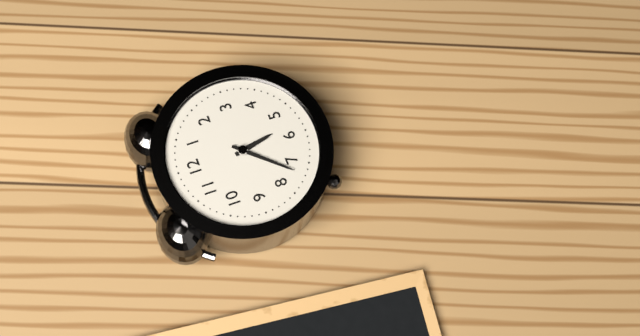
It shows {"hour": 5, "minute": 37}
